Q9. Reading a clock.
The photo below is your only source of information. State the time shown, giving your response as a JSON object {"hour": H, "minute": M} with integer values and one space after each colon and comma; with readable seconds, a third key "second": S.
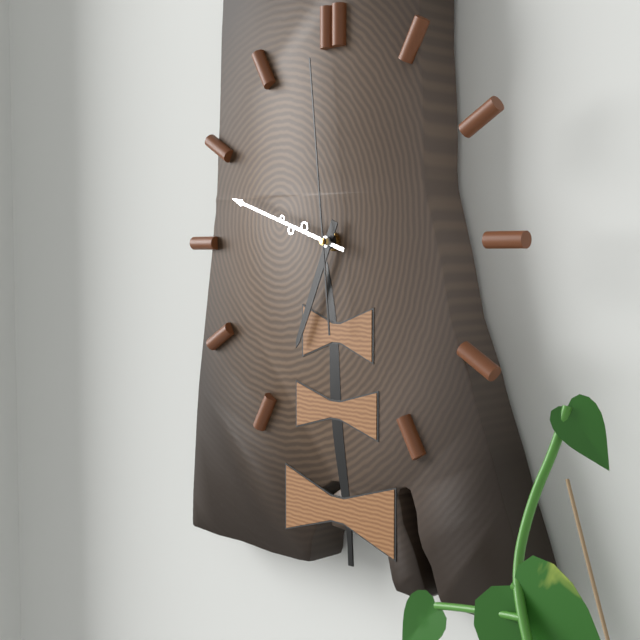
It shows {"hour": 6, "minute": 48, "second": 59}
